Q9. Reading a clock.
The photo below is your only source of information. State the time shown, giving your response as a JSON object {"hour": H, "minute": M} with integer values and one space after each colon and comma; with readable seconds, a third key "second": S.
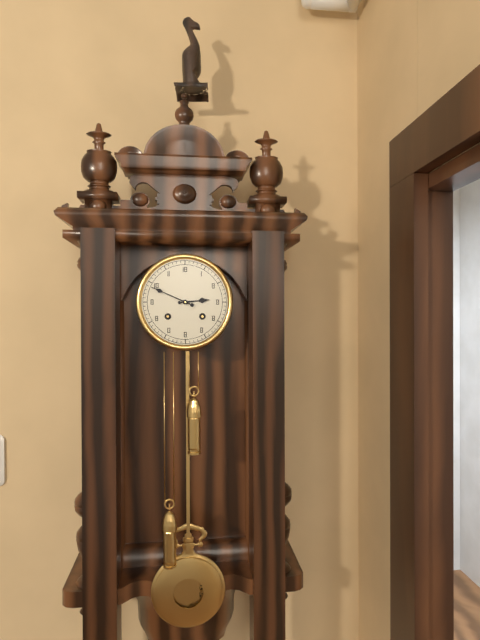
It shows {"hour": 2, "minute": 49}
